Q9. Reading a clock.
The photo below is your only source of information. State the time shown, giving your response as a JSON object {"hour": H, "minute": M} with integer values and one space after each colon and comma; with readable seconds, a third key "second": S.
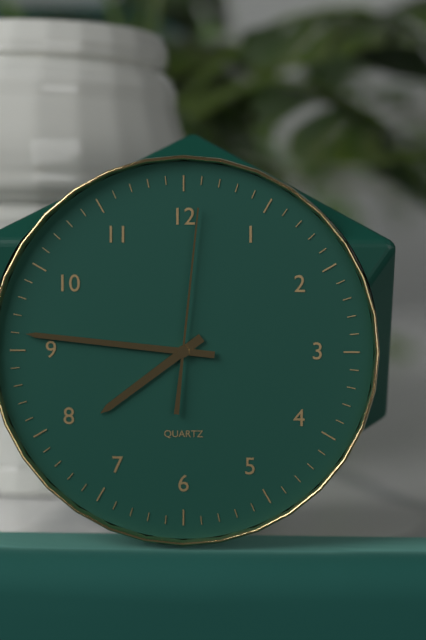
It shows {"hour": 7, "minute": 46, "second": 1}
